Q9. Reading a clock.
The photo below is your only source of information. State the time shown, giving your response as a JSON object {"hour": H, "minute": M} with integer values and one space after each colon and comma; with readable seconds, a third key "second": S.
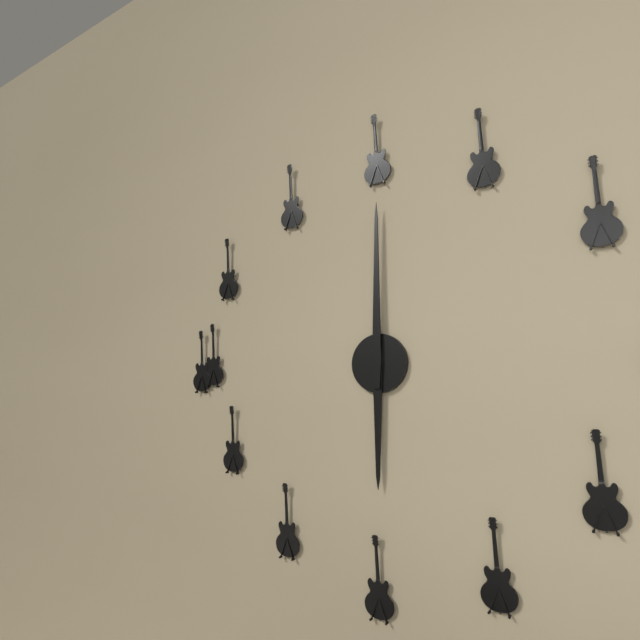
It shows {"hour": 6, "minute": 0}
